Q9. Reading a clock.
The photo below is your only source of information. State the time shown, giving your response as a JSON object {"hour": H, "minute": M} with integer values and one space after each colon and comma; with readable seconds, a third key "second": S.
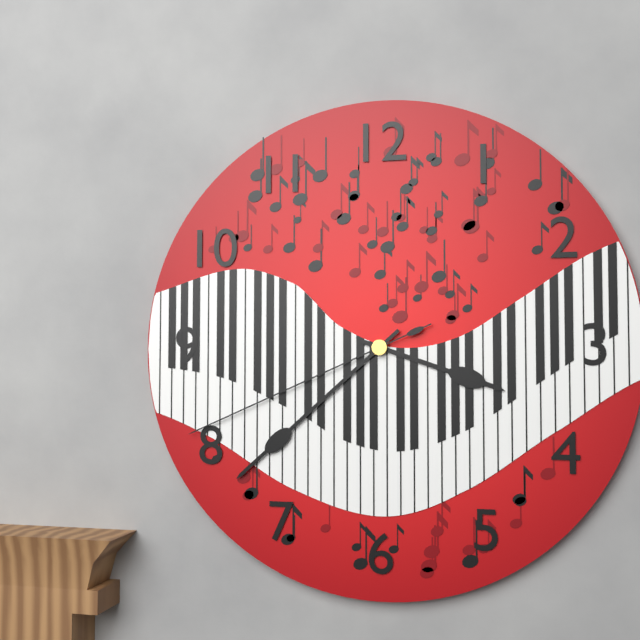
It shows {"hour": 3, "minute": 38, "second": 41}
